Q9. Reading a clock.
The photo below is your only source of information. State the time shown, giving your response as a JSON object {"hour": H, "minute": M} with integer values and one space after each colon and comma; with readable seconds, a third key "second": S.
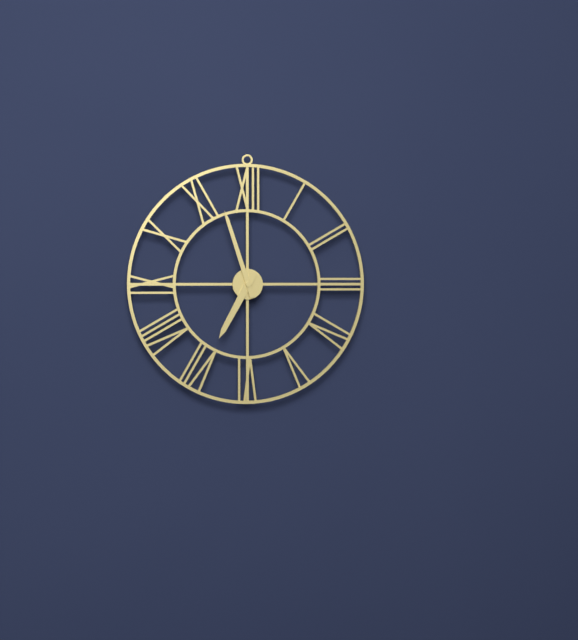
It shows {"hour": 6, "minute": 57}
